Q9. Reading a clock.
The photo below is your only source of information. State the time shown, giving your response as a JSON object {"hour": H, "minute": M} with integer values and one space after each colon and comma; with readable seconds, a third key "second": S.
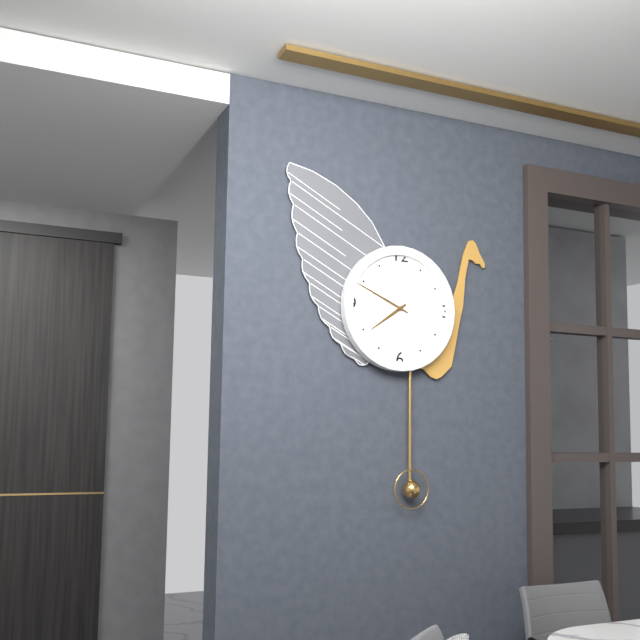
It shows {"hour": 7, "minute": 49}
